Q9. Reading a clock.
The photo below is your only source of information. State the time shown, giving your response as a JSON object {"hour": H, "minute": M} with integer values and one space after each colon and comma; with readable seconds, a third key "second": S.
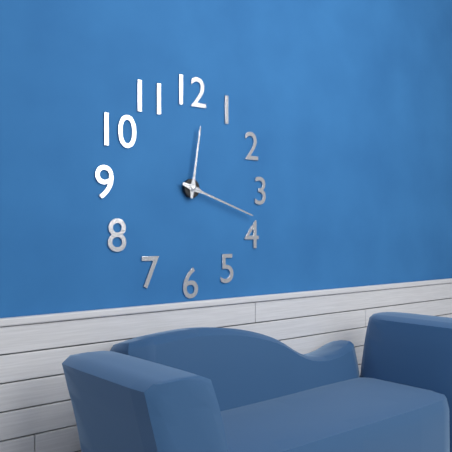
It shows {"hour": 12, "minute": 18}
